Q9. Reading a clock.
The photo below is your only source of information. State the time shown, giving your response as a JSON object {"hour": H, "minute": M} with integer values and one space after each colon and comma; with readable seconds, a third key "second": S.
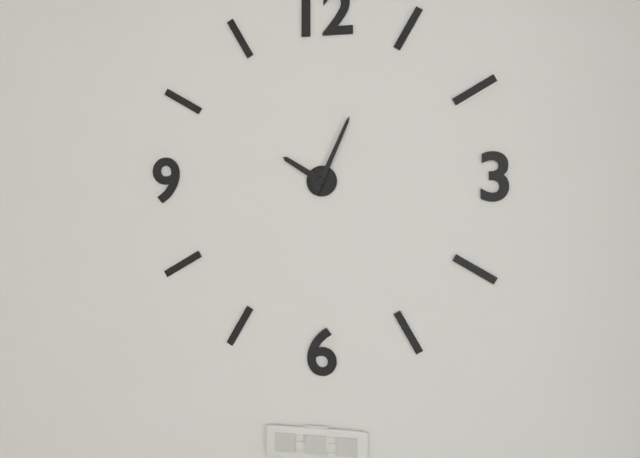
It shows {"hour": 10, "minute": 4}
